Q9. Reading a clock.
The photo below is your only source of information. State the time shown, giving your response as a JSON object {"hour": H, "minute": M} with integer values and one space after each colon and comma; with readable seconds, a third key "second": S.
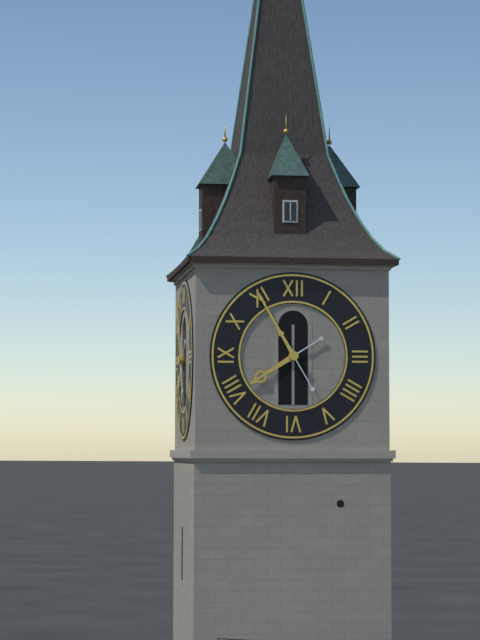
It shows {"hour": 7, "minute": 55}
